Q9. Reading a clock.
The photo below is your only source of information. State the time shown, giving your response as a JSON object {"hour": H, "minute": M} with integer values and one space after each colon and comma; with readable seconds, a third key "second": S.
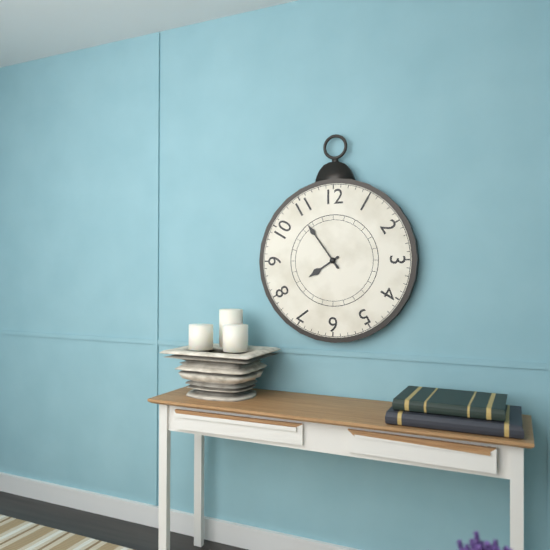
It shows {"hour": 7, "minute": 54}
